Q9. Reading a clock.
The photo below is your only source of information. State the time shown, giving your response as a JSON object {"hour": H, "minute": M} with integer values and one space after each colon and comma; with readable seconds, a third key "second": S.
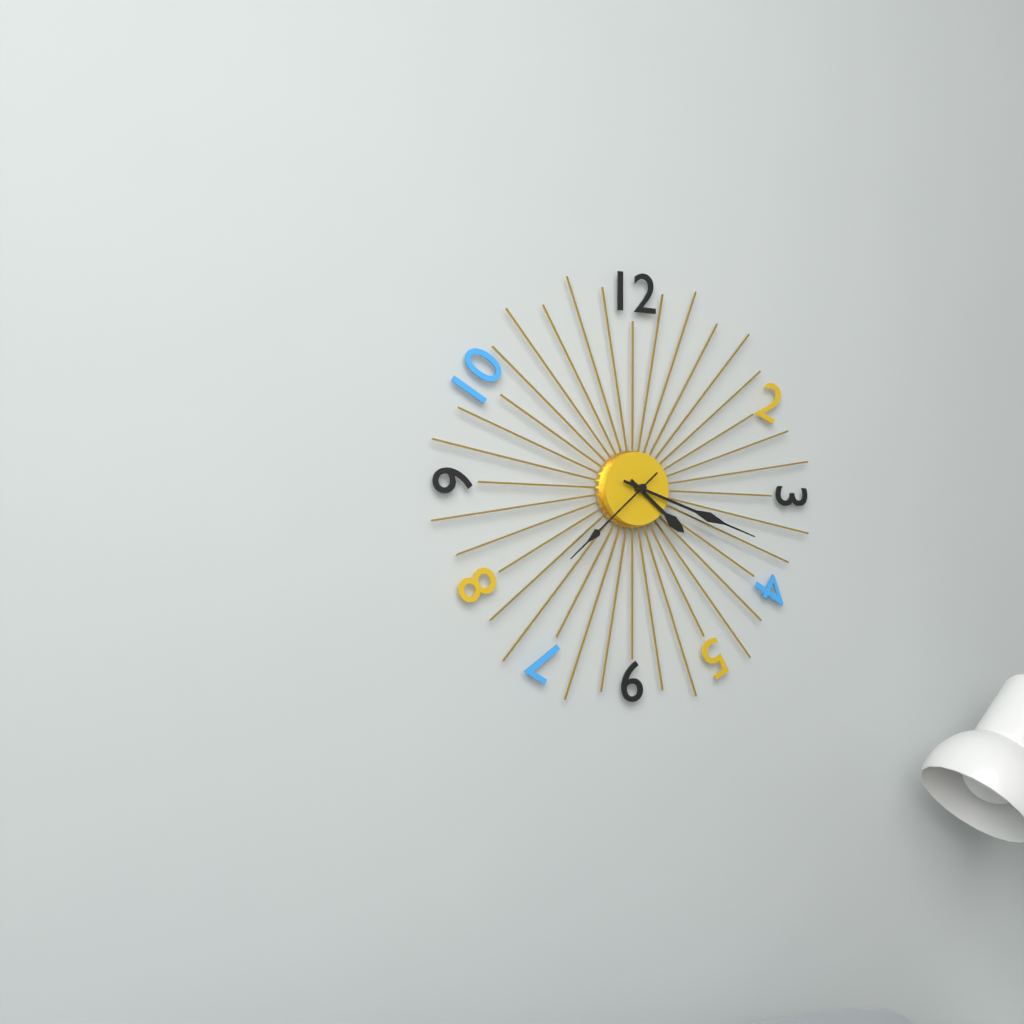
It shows {"hour": 4, "minute": 18, "second": 38}
